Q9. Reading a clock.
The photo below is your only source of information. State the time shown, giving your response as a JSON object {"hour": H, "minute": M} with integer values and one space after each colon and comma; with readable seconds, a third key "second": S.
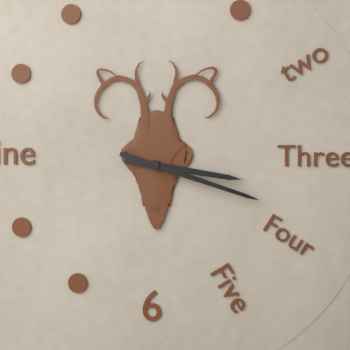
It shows {"hour": 3, "minute": 18}
